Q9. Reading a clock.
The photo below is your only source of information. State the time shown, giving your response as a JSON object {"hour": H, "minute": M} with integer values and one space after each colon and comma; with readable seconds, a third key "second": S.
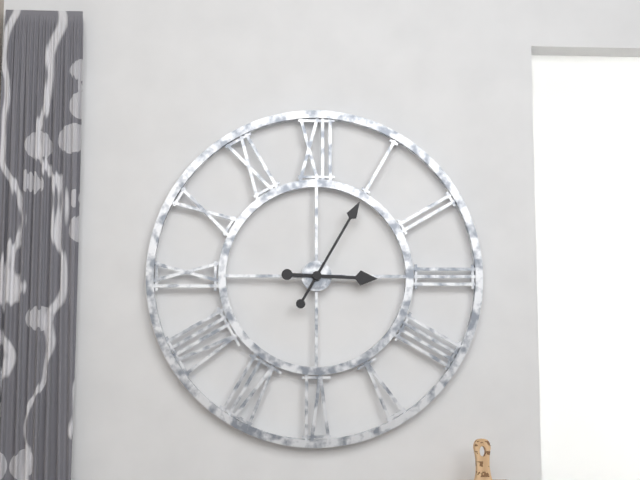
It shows {"hour": 3, "minute": 5}
